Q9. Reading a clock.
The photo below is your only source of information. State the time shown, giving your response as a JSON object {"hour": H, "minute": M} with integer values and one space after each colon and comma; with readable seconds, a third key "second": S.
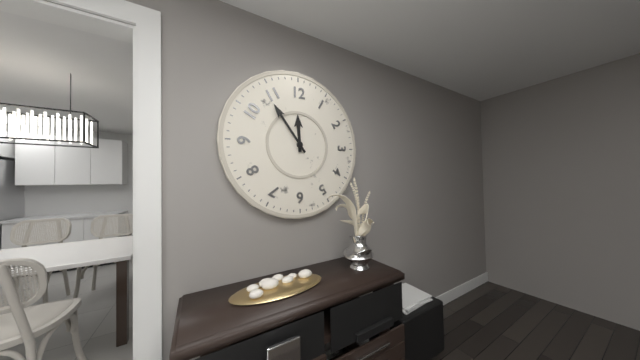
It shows {"hour": 11, "minute": 54}
